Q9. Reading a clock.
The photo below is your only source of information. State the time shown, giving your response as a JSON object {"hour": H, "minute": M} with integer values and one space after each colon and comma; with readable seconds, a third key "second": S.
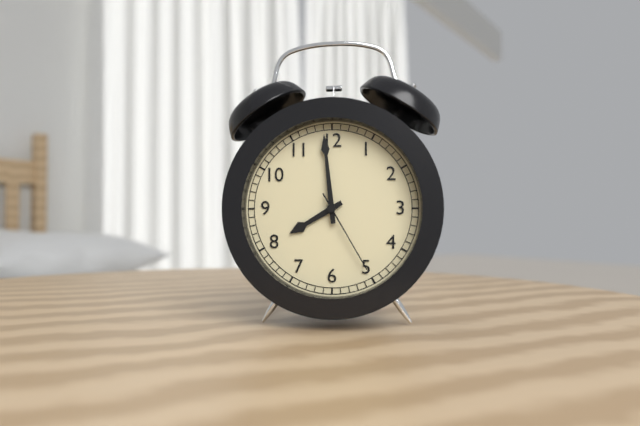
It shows {"hour": 7, "minute": 59, "second": 25}
